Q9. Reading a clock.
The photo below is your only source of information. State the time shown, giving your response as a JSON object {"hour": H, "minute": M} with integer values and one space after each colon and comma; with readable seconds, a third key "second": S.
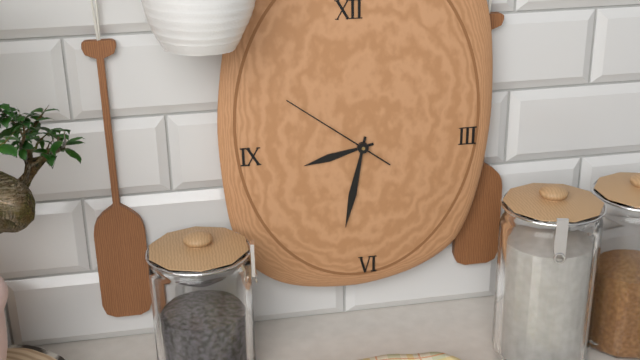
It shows {"hour": 8, "minute": 32, "second": 51}
